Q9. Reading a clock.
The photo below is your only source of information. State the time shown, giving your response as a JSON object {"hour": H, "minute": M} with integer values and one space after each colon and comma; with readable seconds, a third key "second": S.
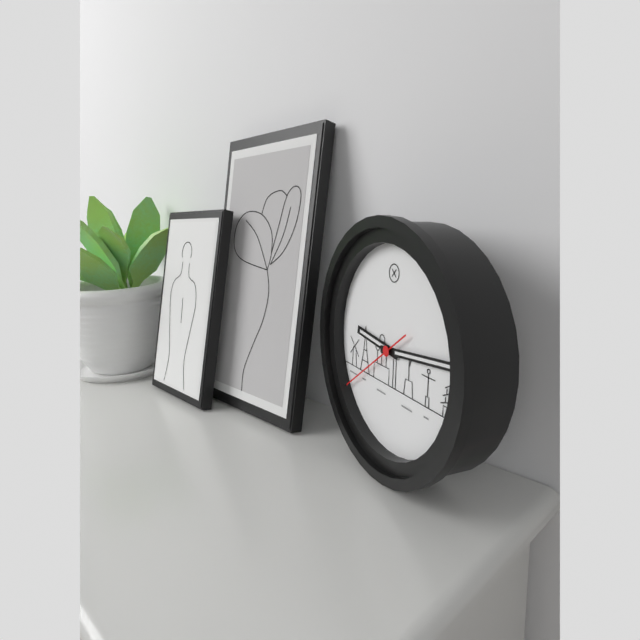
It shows {"hour": 9, "minute": 14, "second": 39}
